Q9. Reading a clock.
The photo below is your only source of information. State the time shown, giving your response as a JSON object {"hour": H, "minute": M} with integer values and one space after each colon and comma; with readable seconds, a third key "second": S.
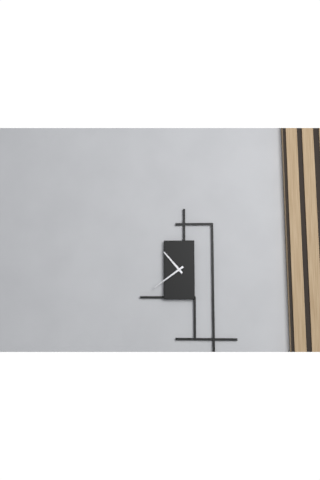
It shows {"hour": 10, "minute": 39}
